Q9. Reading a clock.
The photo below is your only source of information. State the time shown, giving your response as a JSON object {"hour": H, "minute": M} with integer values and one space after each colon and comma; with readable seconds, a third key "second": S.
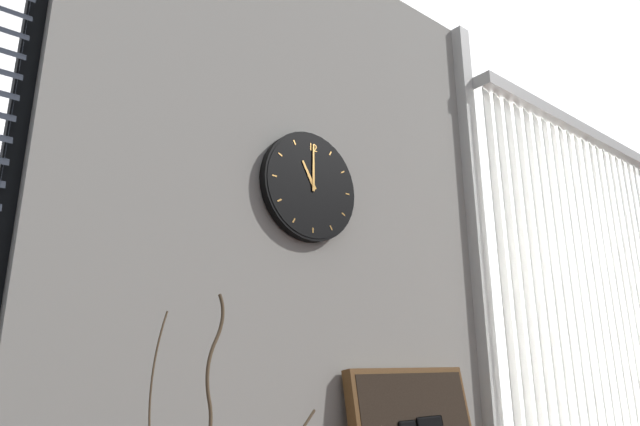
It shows {"hour": 11, "minute": 0}
